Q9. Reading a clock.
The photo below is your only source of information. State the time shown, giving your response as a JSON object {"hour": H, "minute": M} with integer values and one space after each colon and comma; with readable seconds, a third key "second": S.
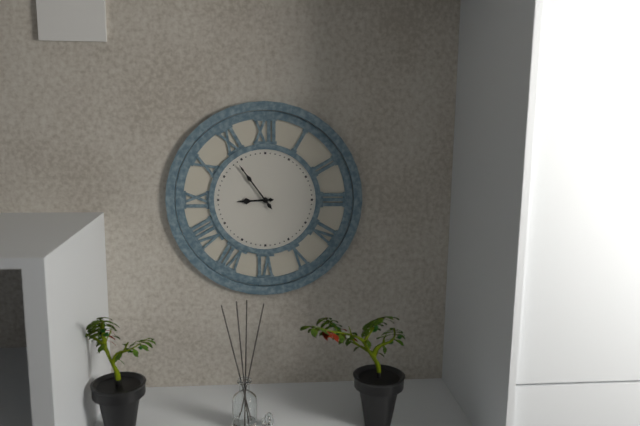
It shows {"hour": 8, "minute": 54}
